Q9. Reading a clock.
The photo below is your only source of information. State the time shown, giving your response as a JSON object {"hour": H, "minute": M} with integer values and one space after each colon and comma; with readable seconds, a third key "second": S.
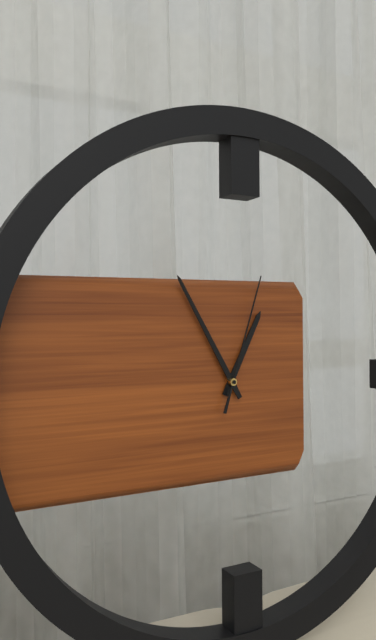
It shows {"hour": 12, "minute": 55, "second": 3}
